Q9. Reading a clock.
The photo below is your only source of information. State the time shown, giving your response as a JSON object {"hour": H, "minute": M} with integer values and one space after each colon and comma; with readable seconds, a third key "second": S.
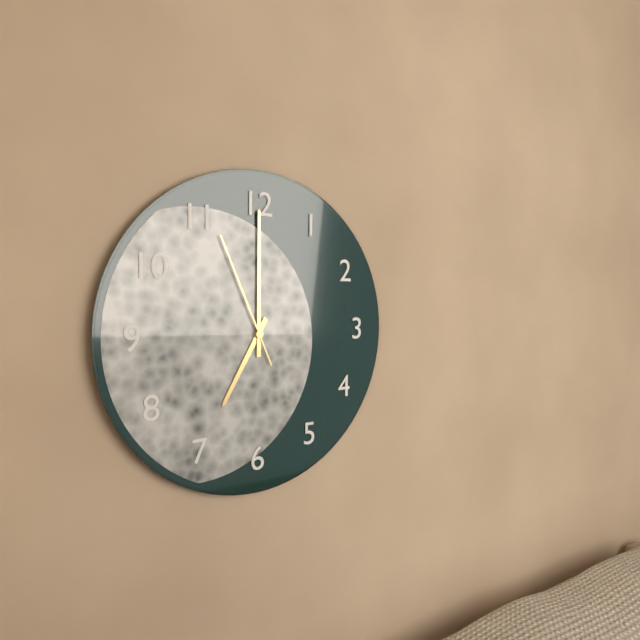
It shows {"hour": 7, "minute": 0, "second": 56}
